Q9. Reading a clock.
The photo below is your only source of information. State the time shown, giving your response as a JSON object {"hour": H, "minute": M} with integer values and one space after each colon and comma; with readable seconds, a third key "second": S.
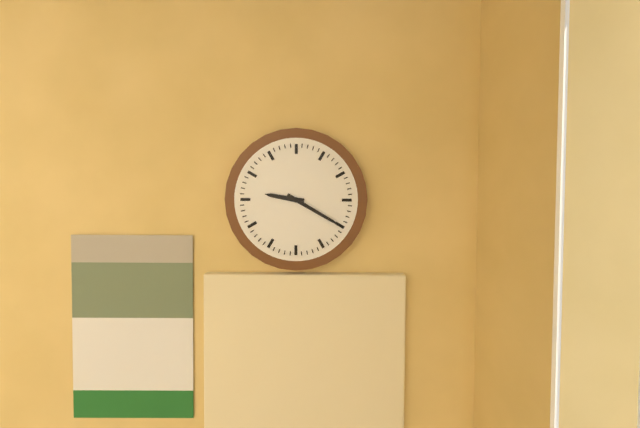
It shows {"hour": 9, "minute": 20}
